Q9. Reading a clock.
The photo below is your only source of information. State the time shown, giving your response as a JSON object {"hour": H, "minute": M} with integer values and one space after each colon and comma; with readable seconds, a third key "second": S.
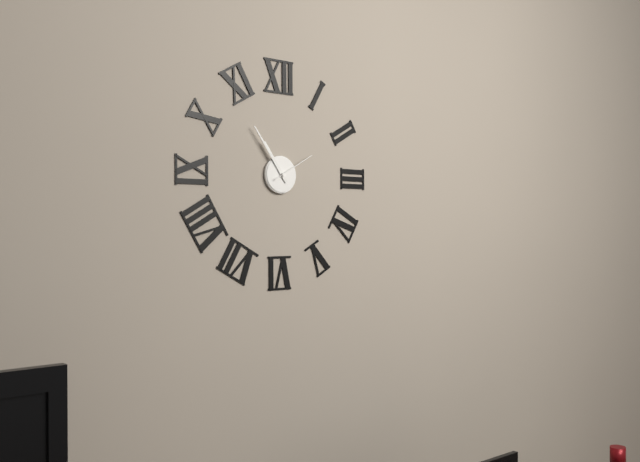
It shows {"hour": 10, "minute": 54}
